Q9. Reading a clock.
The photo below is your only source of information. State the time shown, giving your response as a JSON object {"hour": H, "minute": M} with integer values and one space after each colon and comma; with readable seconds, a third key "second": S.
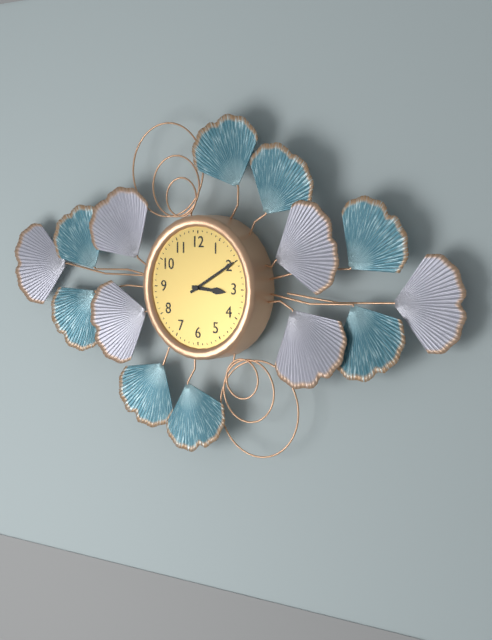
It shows {"hour": 3, "minute": 10}
